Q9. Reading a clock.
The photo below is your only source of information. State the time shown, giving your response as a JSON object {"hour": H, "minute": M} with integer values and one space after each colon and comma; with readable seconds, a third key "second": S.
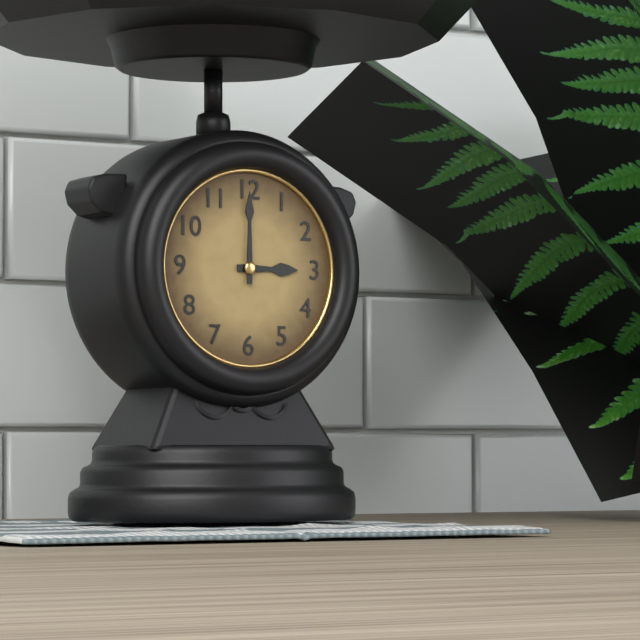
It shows {"hour": 3, "minute": 0}
